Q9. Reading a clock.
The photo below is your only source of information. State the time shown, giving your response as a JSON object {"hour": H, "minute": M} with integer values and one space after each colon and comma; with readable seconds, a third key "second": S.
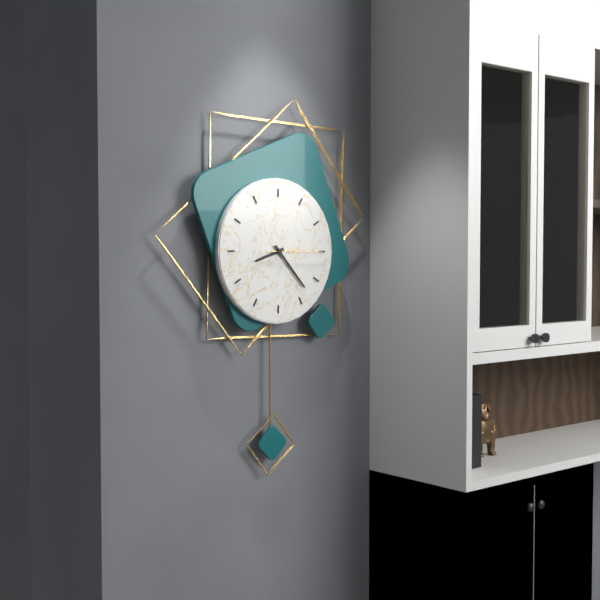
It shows {"hour": 8, "minute": 23, "second": 15}
